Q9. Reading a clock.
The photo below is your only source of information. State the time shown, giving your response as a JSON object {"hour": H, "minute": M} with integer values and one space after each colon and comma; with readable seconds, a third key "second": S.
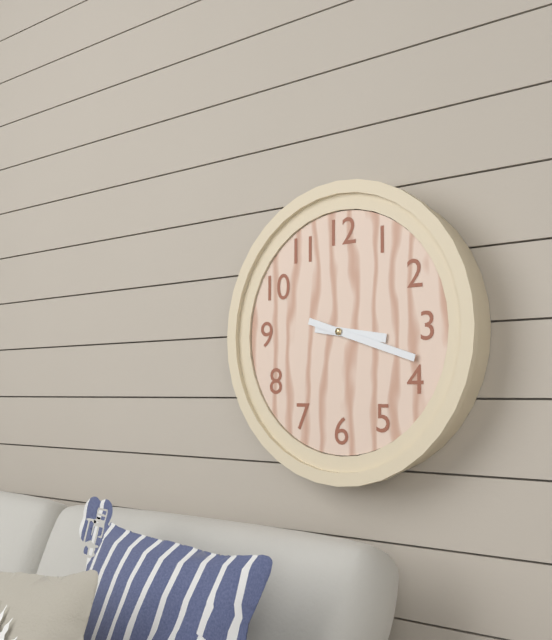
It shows {"hour": 3, "minute": 18}
